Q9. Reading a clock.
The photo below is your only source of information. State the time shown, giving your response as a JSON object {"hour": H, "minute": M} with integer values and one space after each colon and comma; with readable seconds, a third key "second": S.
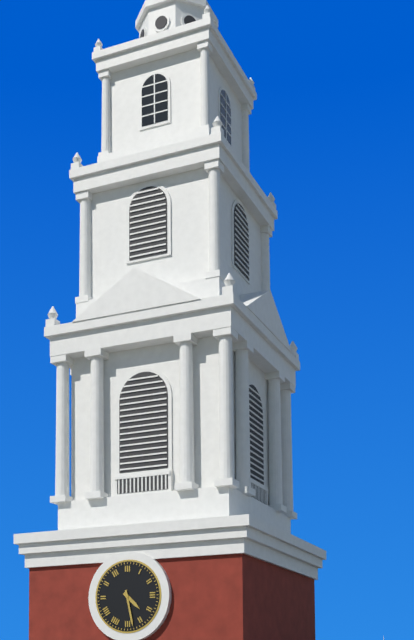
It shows {"hour": 4, "minute": 28}
